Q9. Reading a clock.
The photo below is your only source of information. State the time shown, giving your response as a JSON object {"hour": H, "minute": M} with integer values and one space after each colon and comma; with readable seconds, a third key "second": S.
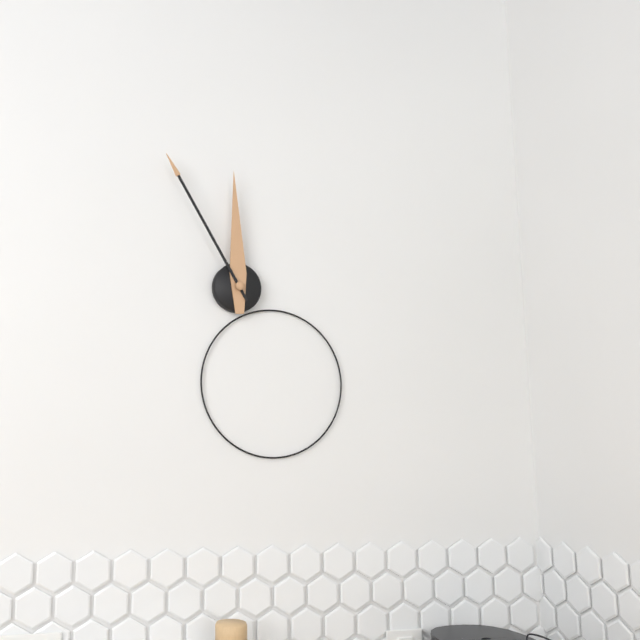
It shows {"hour": 11, "minute": 55}
